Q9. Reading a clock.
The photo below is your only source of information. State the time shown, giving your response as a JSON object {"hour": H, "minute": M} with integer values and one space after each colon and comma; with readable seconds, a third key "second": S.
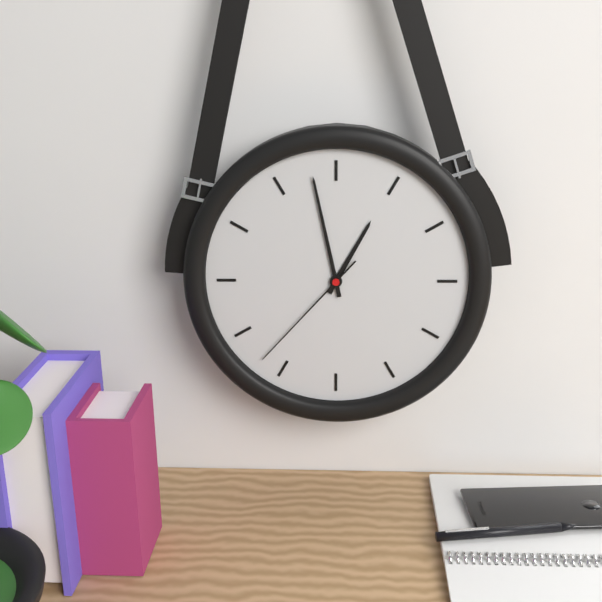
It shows {"hour": 12, "minute": 58, "second": 37}
